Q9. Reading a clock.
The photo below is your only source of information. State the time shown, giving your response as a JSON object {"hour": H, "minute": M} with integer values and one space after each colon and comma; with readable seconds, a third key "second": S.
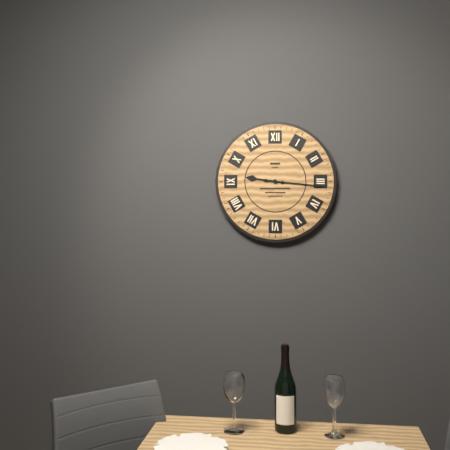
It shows {"hour": 9, "minute": 16}
